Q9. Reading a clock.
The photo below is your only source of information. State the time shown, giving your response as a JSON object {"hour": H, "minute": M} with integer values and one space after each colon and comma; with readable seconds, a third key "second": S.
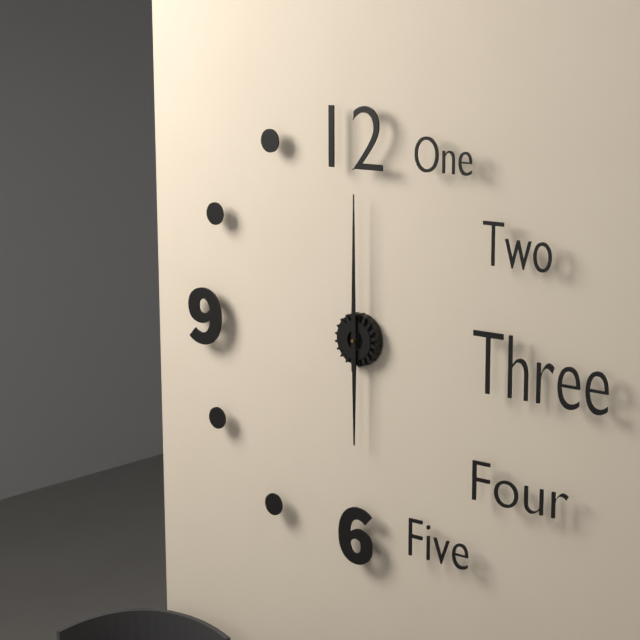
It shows {"hour": 6, "minute": 0}
